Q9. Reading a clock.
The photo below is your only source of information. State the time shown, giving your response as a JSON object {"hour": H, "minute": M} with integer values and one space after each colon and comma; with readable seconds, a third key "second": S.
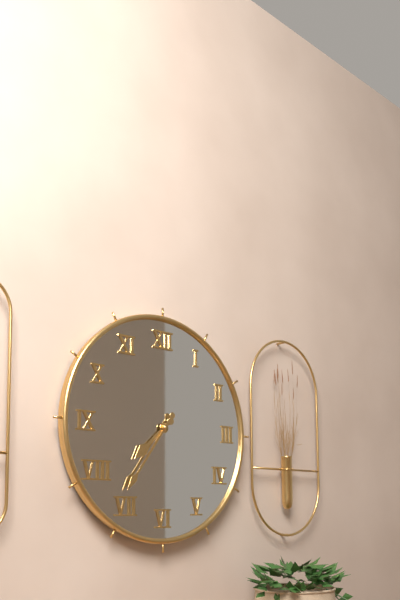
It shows {"hour": 7, "minute": 36}
